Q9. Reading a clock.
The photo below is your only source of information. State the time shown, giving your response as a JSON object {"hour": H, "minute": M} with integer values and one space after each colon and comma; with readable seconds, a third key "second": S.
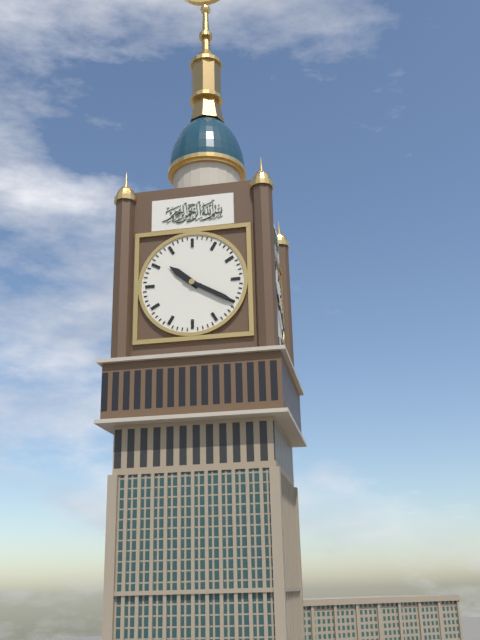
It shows {"hour": 10, "minute": 20}
